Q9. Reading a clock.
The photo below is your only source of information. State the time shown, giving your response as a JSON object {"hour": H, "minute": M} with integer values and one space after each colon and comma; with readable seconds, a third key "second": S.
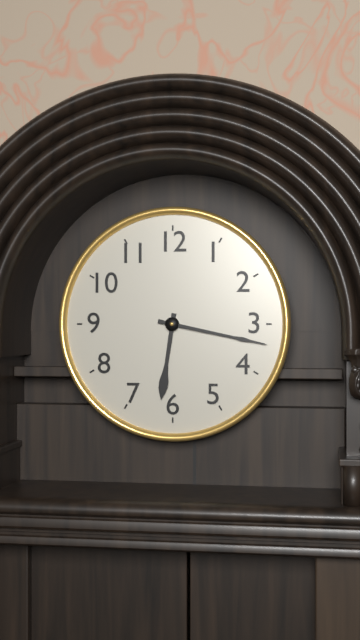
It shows {"hour": 6, "minute": 17}
